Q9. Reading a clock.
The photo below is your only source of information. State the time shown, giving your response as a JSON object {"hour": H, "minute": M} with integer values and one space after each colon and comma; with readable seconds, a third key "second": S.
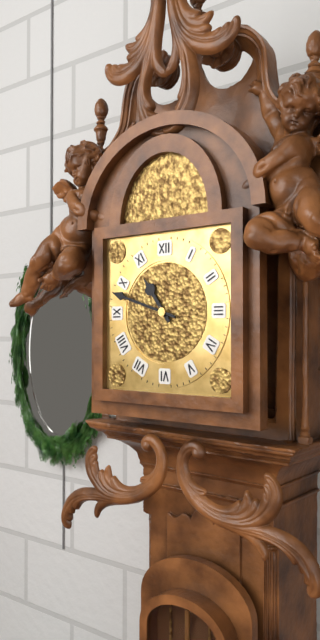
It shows {"hour": 10, "minute": 48}
